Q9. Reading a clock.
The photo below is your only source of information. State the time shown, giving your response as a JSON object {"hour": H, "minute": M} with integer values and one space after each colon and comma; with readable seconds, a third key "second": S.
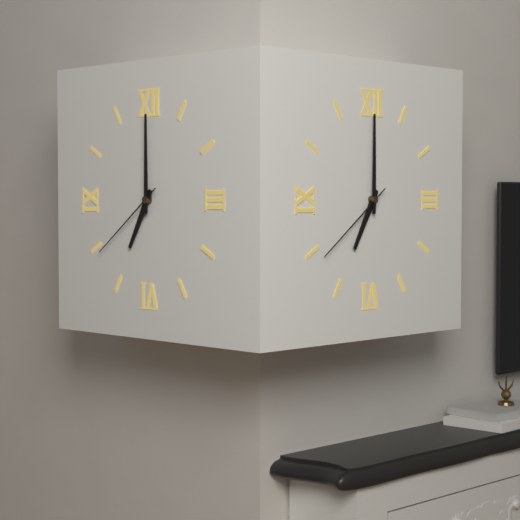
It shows {"hour": 7, "minute": 0, "second": 39}
